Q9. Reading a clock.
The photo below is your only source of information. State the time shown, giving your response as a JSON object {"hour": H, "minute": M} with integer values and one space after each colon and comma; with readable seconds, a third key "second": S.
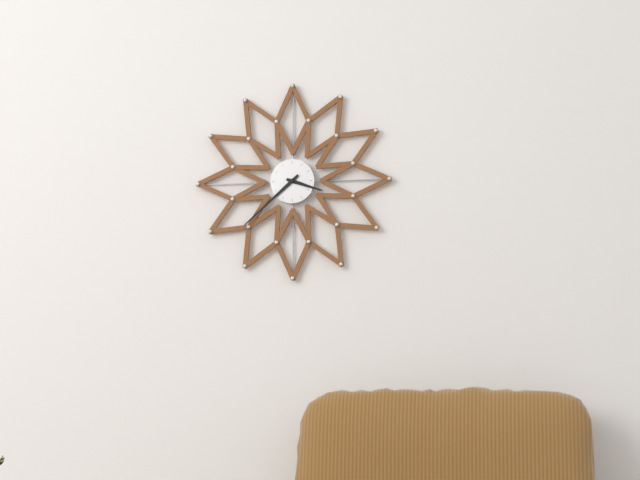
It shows {"hour": 3, "minute": 38}
